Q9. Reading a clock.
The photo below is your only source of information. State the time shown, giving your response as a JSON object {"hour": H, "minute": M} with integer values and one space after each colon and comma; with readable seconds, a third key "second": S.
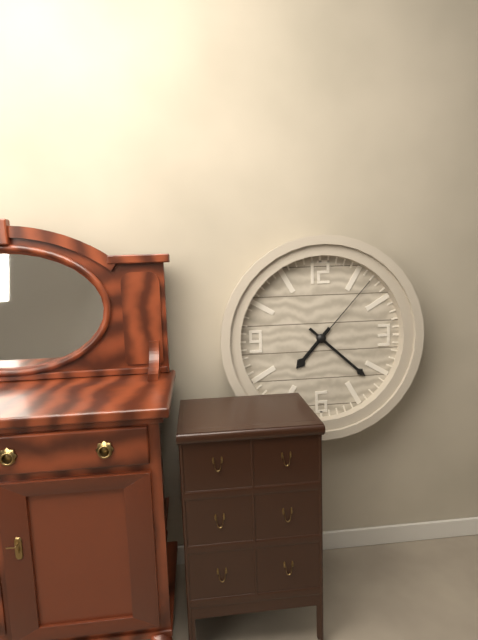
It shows {"hour": 7, "minute": 22, "second": 7}
